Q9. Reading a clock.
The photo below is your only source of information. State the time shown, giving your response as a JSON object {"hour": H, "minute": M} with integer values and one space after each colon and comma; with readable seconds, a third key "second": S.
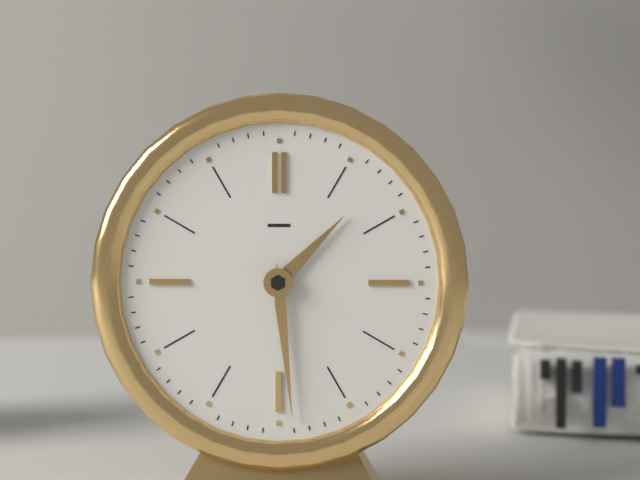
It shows {"hour": 1, "minute": 29}
